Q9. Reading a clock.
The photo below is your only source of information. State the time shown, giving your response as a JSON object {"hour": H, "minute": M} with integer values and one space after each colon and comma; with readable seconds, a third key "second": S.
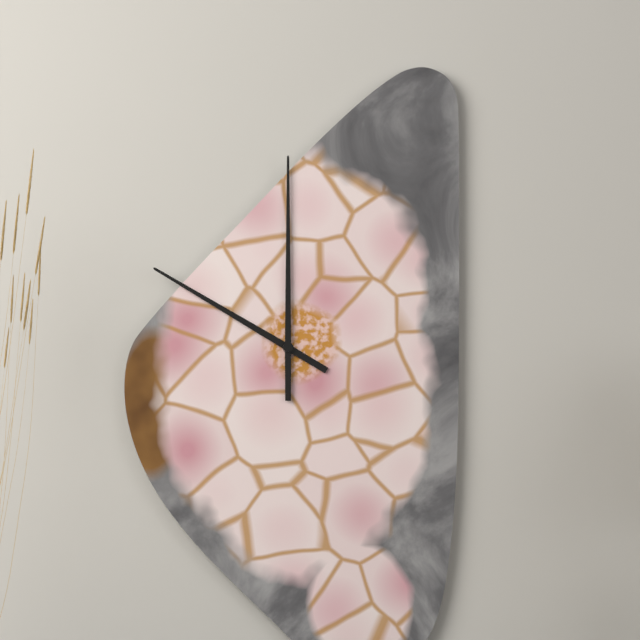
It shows {"hour": 10, "minute": 0}
